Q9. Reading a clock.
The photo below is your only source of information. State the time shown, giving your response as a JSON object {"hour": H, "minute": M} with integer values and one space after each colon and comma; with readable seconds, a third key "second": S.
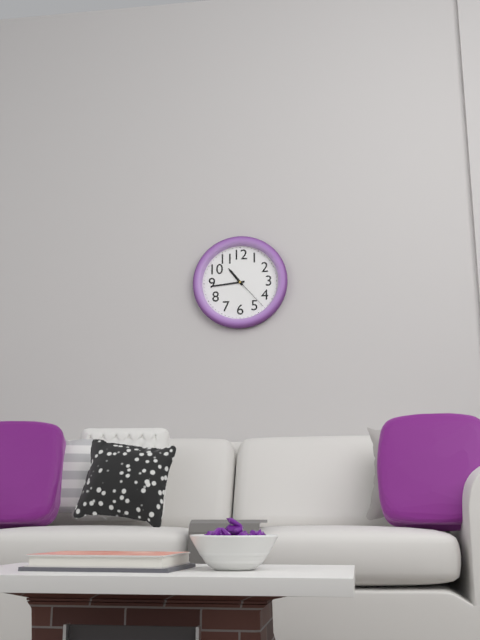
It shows {"hour": 10, "minute": 44}
